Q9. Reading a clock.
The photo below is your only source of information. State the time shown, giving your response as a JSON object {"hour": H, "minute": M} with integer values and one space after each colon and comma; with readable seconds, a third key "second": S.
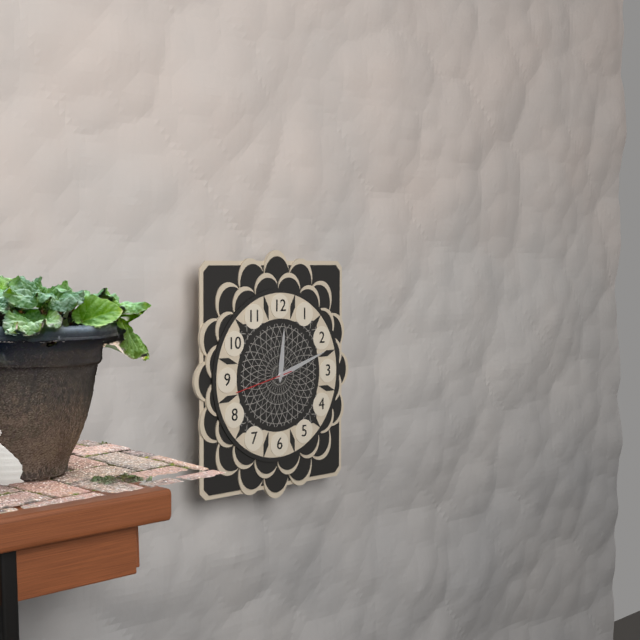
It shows {"hour": 12, "minute": 12, "second": 43}
